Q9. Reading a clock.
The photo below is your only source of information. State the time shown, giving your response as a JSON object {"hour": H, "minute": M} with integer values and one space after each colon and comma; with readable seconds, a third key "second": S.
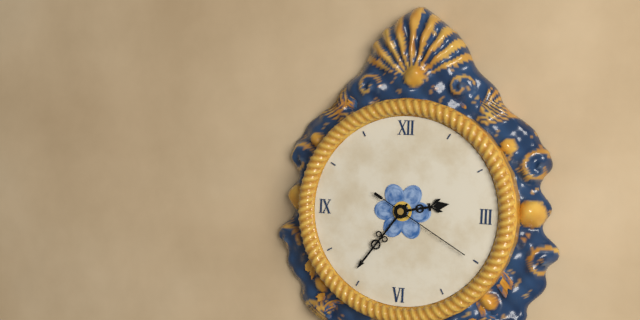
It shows {"hour": 2, "minute": 36, "second": 20}
